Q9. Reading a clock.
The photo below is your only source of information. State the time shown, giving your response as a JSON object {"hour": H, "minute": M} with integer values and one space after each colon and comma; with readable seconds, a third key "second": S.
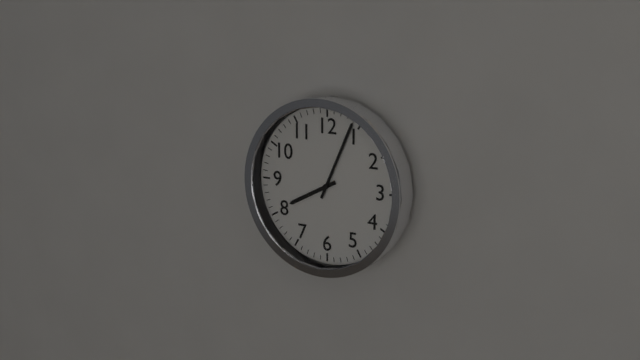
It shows {"hour": 8, "minute": 4}
